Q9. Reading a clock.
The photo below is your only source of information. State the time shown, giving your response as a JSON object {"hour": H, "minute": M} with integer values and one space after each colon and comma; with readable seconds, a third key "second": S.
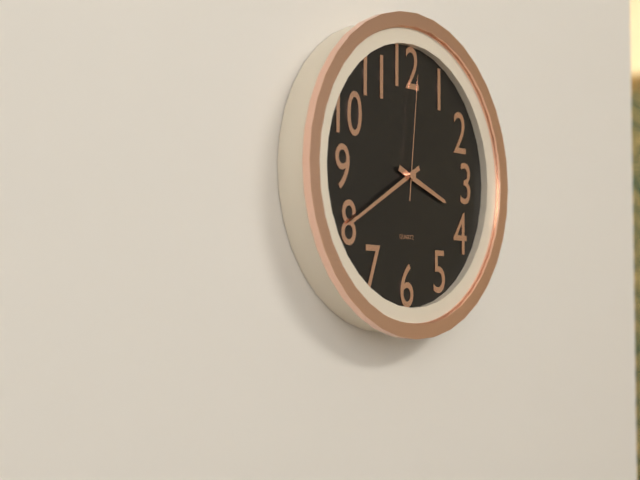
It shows {"hour": 3, "minute": 40, "second": 1}
